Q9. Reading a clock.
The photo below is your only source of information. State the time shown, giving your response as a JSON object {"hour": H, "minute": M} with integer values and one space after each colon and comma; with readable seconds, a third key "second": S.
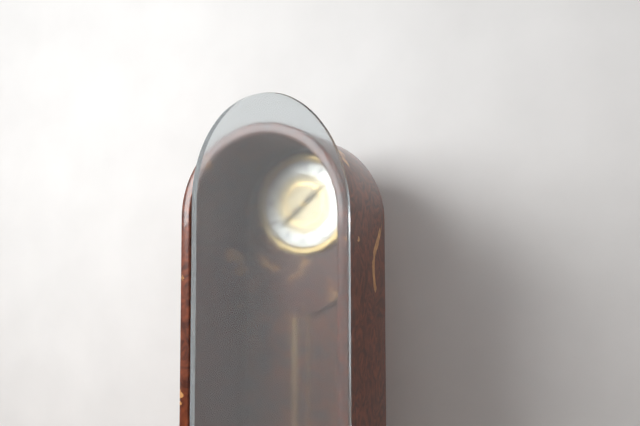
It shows {"hour": 1, "minute": 38}
